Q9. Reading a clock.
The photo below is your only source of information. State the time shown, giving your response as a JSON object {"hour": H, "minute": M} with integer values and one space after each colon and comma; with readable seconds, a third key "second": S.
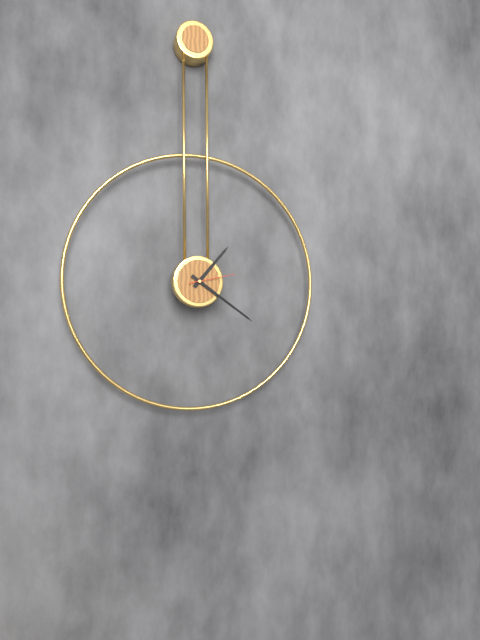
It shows {"hour": 1, "minute": 21}
